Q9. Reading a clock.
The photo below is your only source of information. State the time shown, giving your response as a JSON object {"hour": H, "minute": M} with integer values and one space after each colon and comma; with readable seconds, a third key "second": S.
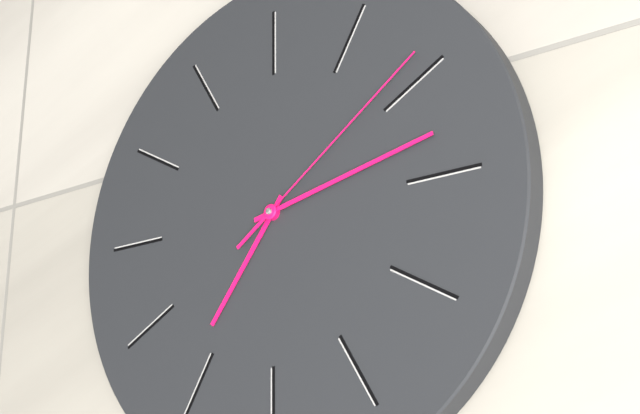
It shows {"hour": 7, "minute": 13, "second": 9}
